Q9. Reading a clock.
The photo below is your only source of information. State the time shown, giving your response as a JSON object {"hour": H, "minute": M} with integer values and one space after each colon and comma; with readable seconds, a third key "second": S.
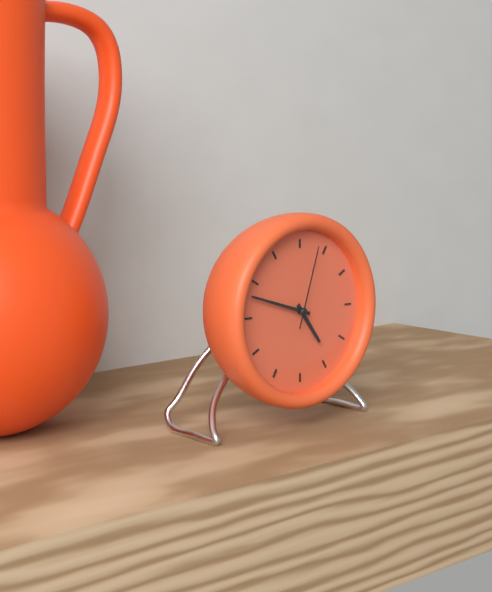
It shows {"hour": 4, "minute": 48, "second": 3}
